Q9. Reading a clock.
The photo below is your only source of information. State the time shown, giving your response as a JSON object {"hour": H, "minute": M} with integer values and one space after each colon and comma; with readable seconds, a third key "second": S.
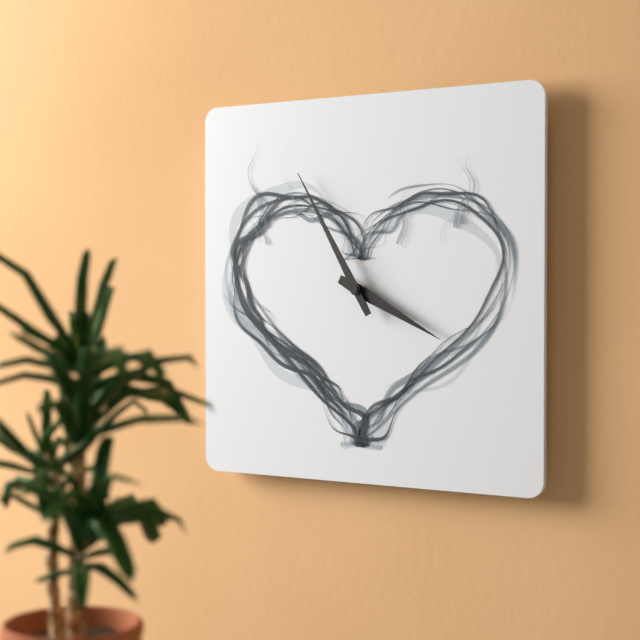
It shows {"hour": 3, "minute": 55}
